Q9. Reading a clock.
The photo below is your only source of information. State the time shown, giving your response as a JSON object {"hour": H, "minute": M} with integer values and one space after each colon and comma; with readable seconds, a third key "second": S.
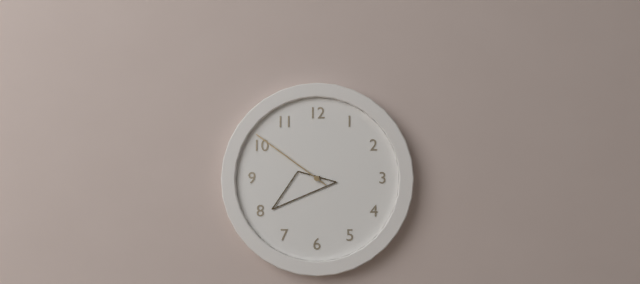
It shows {"hour": 7, "minute": 51}
